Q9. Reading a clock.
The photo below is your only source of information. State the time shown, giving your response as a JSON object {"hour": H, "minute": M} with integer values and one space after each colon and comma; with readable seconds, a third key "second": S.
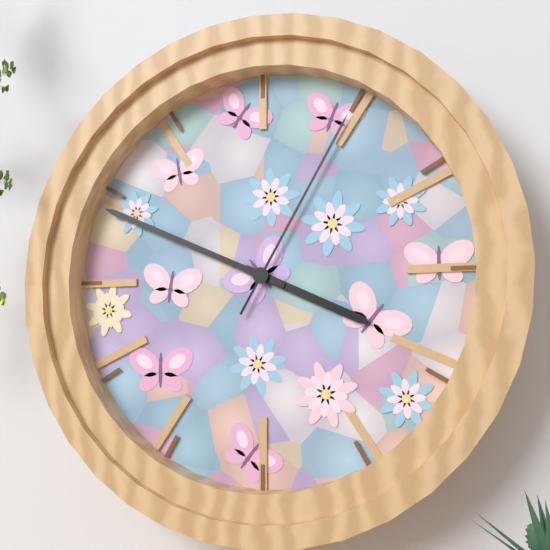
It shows {"hour": 3, "minute": 49, "second": 5}
